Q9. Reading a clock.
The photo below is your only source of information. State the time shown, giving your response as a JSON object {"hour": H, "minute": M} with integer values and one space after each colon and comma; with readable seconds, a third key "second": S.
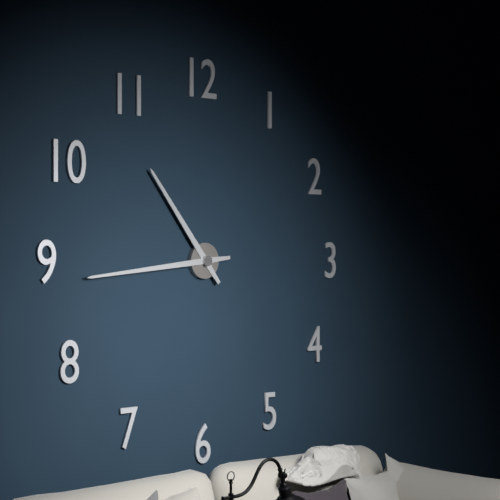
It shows {"hour": 10, "minute": 44}
